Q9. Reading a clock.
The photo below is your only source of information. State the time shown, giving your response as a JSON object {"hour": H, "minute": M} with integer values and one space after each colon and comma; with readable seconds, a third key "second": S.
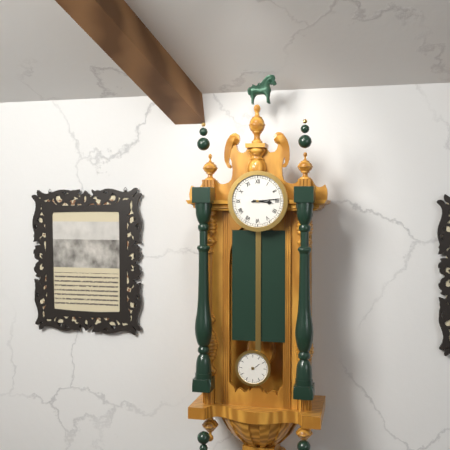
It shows {"hour": 3, "minute": 14}
